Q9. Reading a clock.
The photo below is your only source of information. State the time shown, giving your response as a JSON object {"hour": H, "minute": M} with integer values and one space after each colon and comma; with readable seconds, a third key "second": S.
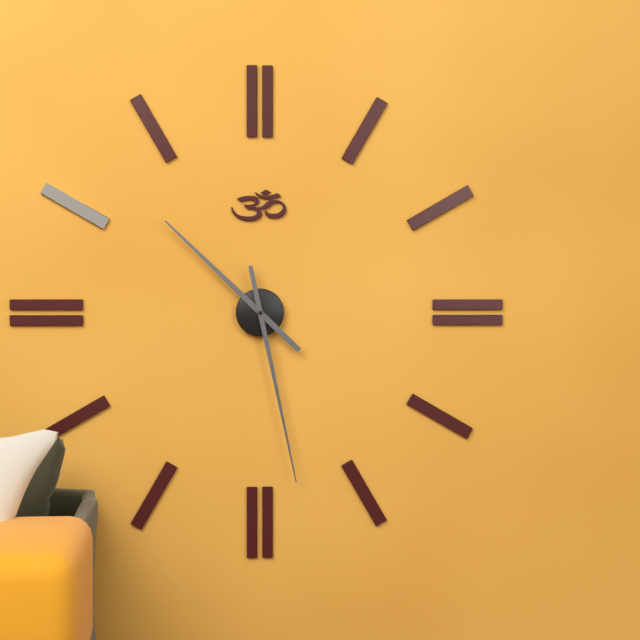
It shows {"hour": 10, "minute": 28}
